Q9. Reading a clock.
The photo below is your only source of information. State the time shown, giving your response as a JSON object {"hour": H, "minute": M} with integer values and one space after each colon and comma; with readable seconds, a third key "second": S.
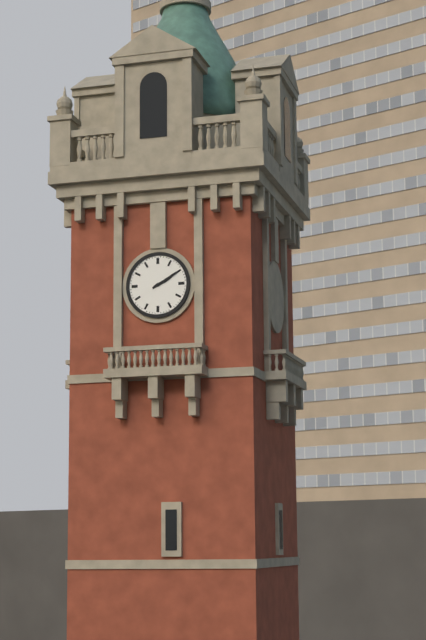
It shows {"hour": 2, "minute": 10}
